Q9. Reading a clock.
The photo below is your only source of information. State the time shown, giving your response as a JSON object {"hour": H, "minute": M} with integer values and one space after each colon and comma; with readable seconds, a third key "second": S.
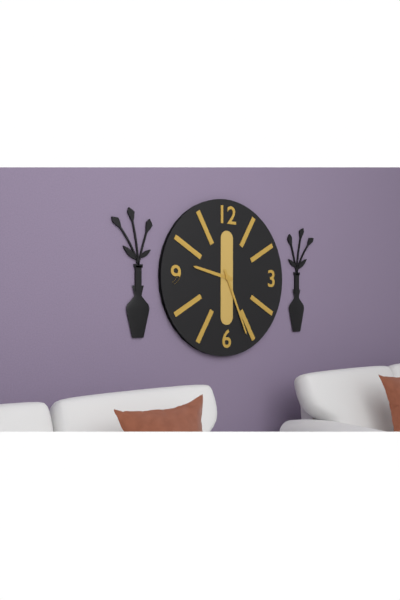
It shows {"hour": 9, "minute": 26}
